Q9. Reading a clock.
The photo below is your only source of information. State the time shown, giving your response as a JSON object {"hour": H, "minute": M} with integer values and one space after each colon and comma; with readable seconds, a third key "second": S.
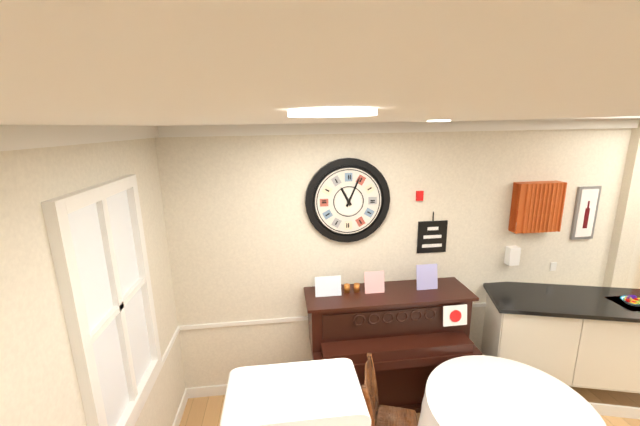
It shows {"hour": 11, "minute": 4}
